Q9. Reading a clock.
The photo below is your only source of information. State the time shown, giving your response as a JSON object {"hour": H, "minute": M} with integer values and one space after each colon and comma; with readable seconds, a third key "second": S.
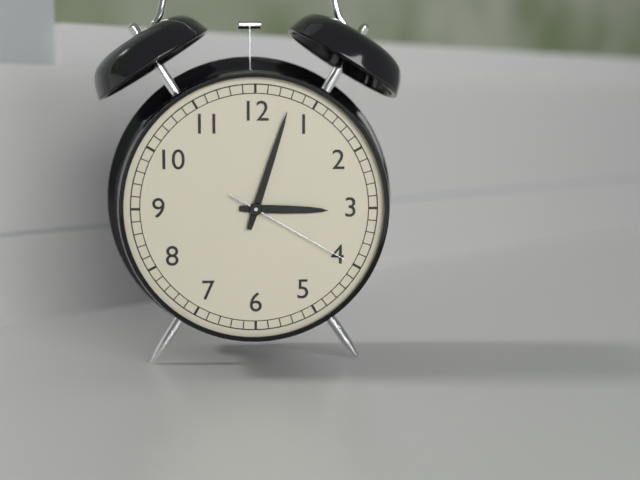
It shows {"hour": 3, "minute": 3, "second": 20}
